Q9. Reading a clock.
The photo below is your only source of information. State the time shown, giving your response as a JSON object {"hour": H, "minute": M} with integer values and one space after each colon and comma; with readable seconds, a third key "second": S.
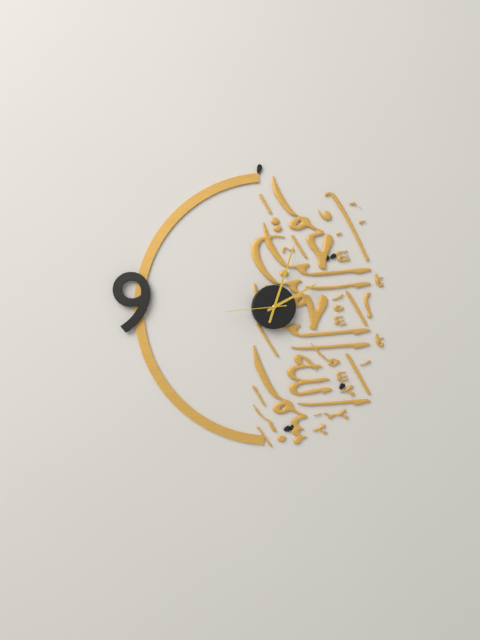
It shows {"hour": 2, "minute": 3, "second": 44}
